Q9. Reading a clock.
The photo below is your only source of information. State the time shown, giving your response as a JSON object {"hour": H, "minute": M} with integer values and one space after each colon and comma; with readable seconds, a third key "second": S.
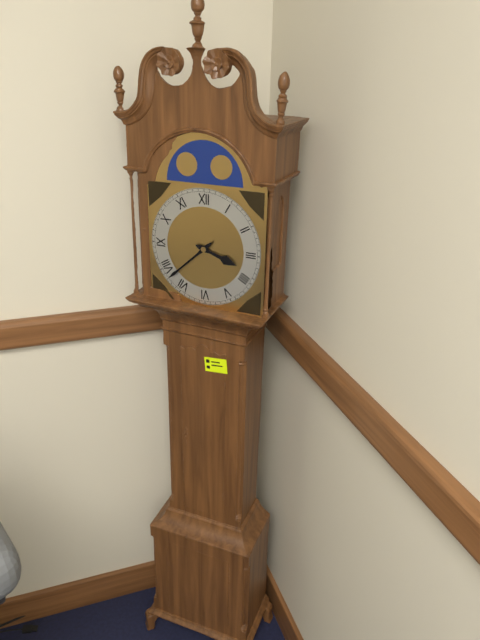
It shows {"hour": 3, "minute": 38}
